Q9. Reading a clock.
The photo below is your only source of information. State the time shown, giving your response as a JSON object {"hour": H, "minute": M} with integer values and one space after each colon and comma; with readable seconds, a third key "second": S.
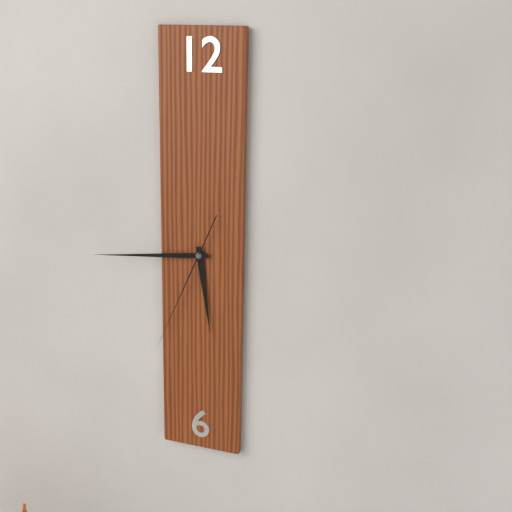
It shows {"hour": 5, "minute": 44, "second": 34}
